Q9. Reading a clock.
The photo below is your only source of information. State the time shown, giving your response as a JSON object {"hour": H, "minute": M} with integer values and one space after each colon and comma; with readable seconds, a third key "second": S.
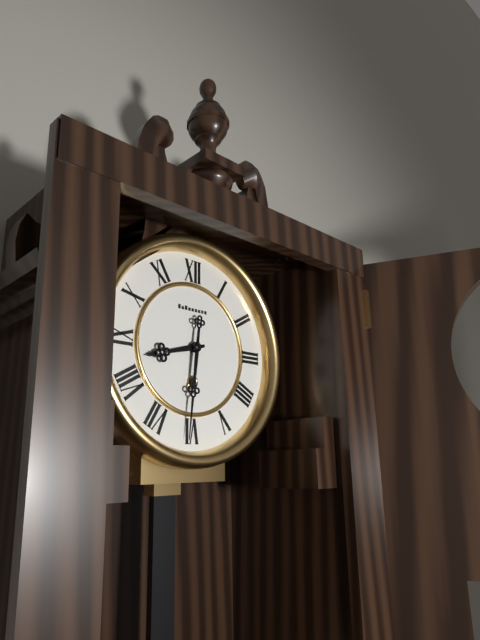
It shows {"hour": 8, "minute": 31}
